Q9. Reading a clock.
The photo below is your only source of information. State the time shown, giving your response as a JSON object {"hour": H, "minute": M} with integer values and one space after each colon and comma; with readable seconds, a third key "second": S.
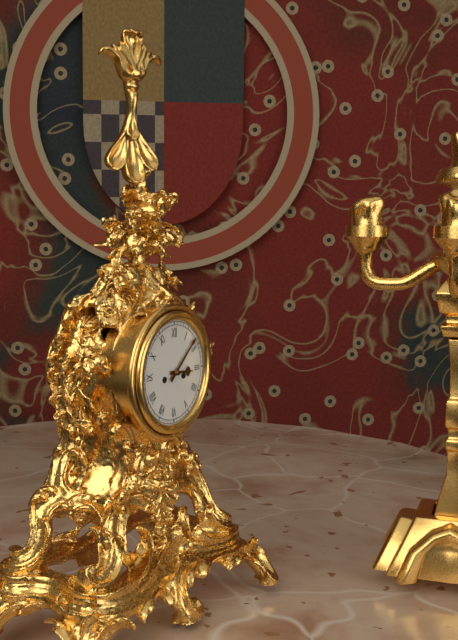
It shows {"hour": 3, "minute": 8}
